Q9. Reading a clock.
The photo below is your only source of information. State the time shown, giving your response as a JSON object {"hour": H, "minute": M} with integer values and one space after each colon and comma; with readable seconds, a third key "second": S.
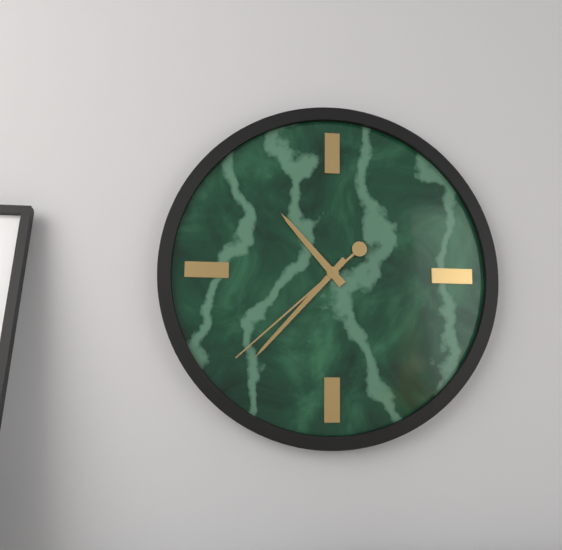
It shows {"hour": 10, "minute": 37, "second": 38}
